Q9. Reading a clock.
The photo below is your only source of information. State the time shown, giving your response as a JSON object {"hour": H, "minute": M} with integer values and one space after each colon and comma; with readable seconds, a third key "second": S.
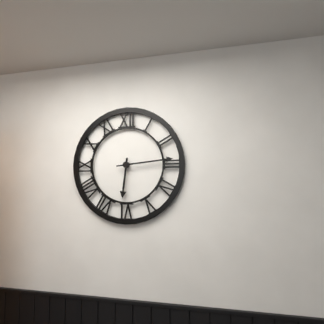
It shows {"hour": 6, "minute": 14}
